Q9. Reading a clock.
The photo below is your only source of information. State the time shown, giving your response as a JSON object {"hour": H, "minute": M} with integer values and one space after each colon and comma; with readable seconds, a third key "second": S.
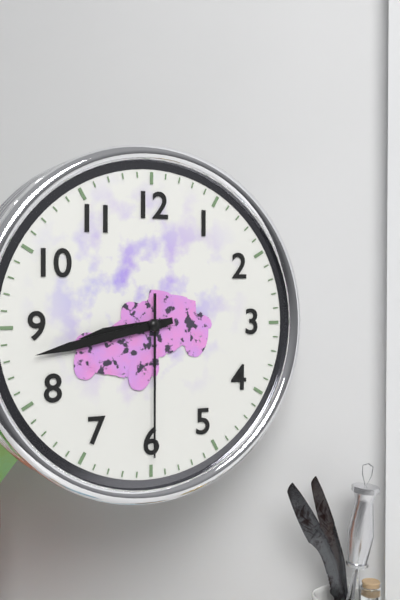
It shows {"hour": 8, "minute": 43, "second": 30}
